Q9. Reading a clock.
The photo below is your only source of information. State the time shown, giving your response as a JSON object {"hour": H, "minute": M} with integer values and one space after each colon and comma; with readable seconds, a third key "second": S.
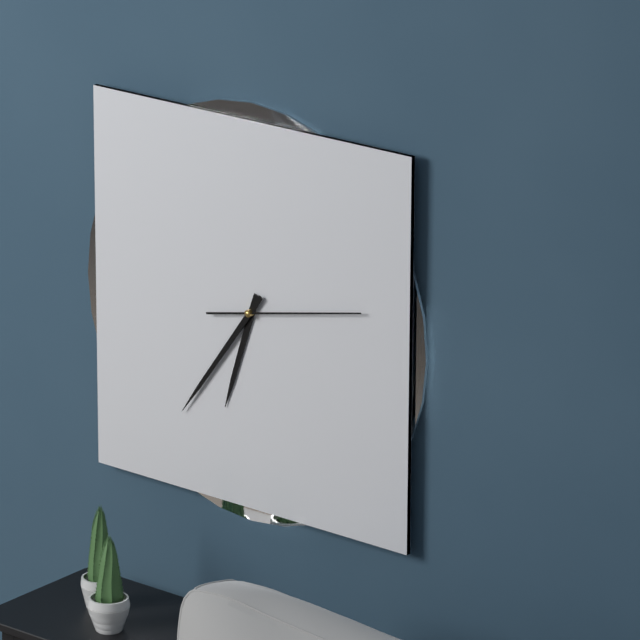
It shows {"hour": 6, "minute": 36, "second": 13}
